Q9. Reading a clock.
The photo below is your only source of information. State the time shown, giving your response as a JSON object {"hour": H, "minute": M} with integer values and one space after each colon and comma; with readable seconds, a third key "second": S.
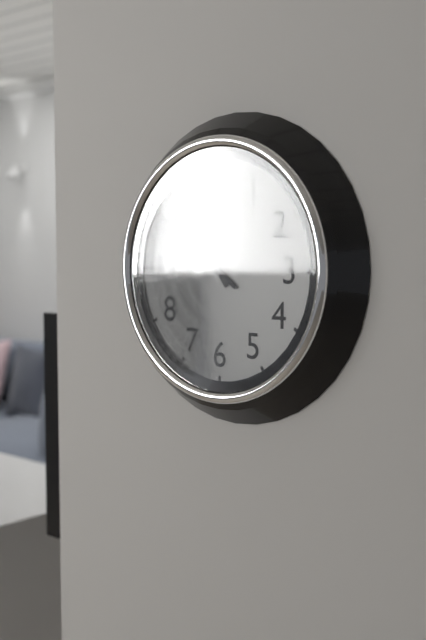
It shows {"hour": 10, "minute": 51}
